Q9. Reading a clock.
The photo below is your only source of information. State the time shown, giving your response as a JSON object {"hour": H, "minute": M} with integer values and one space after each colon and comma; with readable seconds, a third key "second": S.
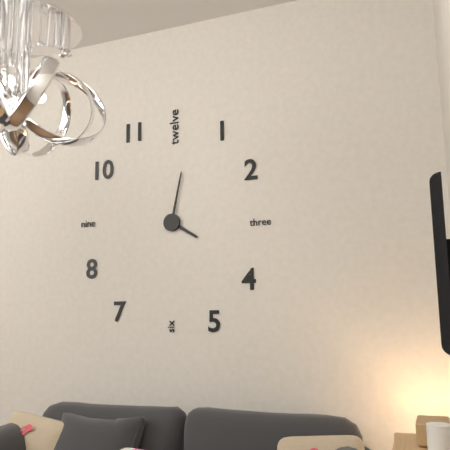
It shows {"hour": 4, "minute": 2}
